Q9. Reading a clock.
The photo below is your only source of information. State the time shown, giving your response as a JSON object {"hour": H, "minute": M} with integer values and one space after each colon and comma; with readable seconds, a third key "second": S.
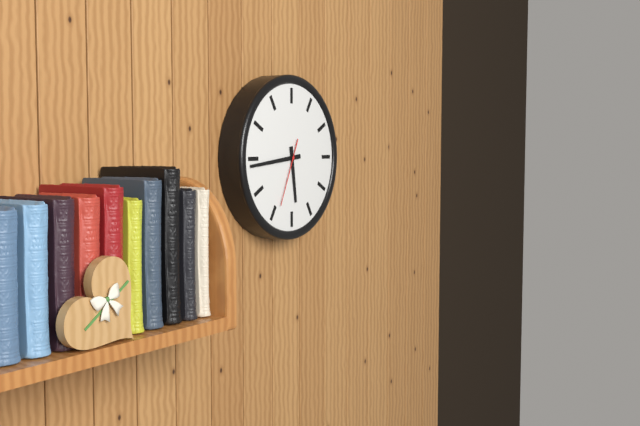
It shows {"hour": 5, "minute": 44, "second": 34}
